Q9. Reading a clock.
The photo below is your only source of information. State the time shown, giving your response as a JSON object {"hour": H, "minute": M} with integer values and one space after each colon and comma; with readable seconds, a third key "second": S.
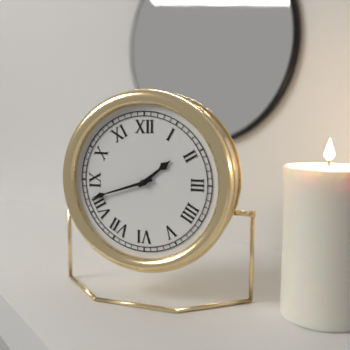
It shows {"hour": 1, "minute": 42}
